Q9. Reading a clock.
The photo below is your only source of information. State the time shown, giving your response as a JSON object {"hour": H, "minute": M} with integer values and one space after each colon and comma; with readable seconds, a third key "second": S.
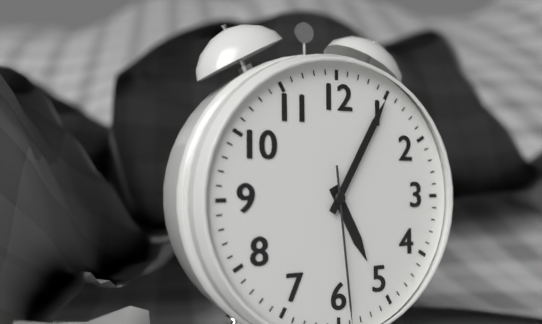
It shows {"hour": 5, "minute": 5}
